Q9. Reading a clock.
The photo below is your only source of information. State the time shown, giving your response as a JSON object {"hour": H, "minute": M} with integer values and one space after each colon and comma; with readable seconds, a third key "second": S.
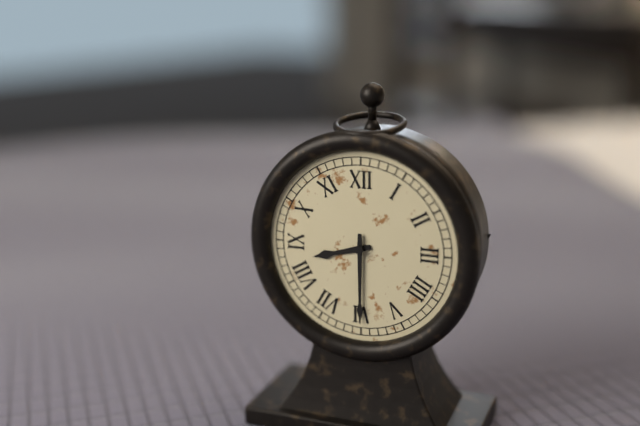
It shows {"hour": 8, "minute": 30}
